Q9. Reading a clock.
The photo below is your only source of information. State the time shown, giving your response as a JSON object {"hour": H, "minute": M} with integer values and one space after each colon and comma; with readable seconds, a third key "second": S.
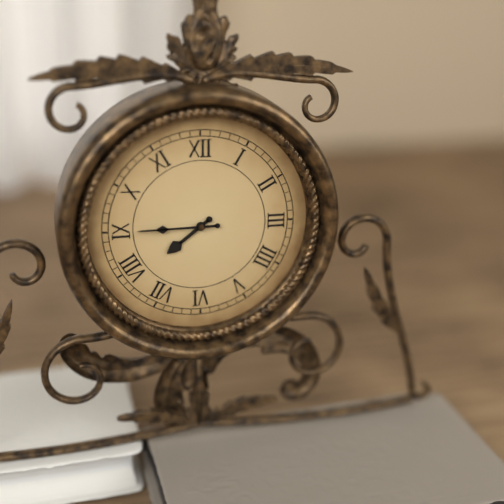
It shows {"hour": 7, "minute": 45}
